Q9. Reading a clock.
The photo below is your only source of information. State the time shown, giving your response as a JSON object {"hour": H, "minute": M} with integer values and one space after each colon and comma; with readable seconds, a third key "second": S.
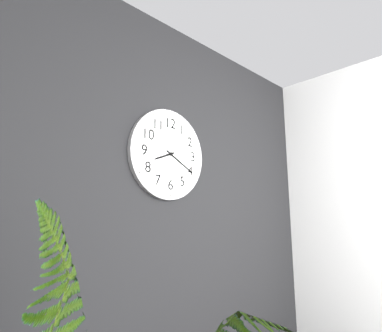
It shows {"hour": 8, "minute": 20}
